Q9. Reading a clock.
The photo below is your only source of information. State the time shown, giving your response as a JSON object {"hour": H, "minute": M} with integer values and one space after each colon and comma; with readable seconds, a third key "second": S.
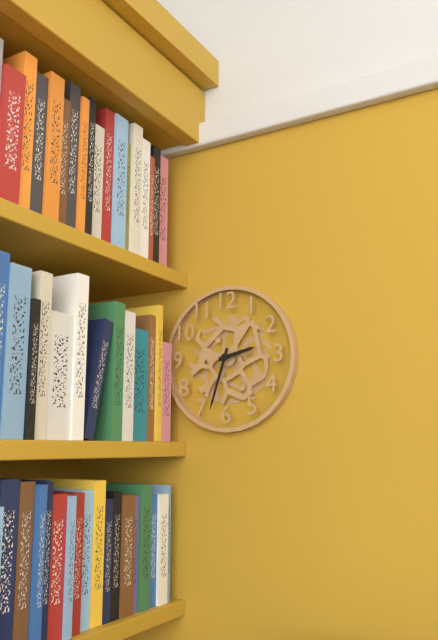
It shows {"hour": 2, "minute": 33}
